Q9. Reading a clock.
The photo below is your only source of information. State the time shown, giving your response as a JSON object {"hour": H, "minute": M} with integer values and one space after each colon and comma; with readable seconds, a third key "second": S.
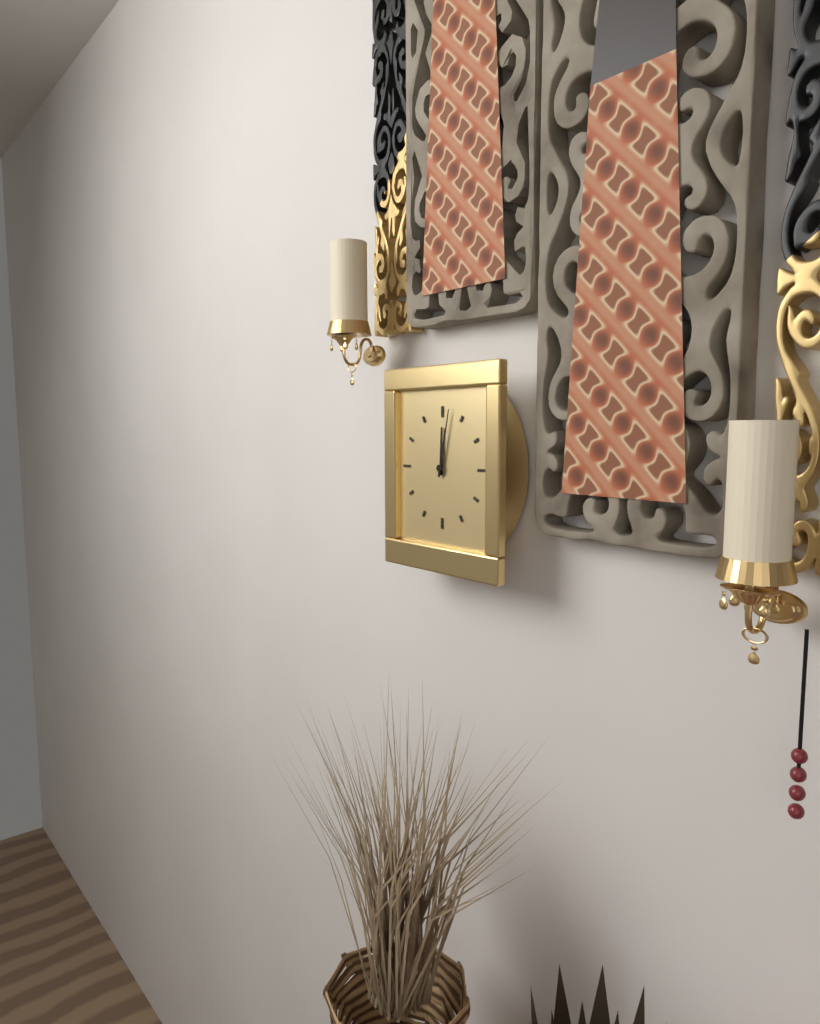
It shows {"hour": 12, "minute": 2}
